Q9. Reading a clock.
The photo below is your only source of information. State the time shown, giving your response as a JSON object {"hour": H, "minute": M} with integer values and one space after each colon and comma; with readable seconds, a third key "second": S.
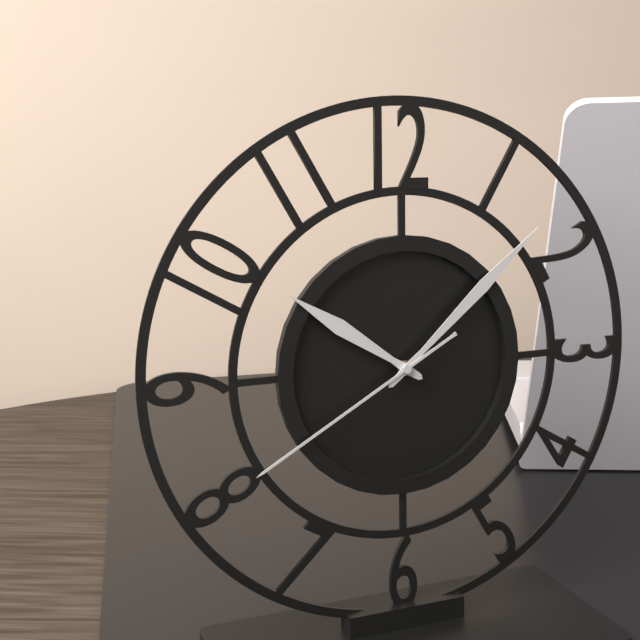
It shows {"hour": 10, "minute": 8, "second": 40}
